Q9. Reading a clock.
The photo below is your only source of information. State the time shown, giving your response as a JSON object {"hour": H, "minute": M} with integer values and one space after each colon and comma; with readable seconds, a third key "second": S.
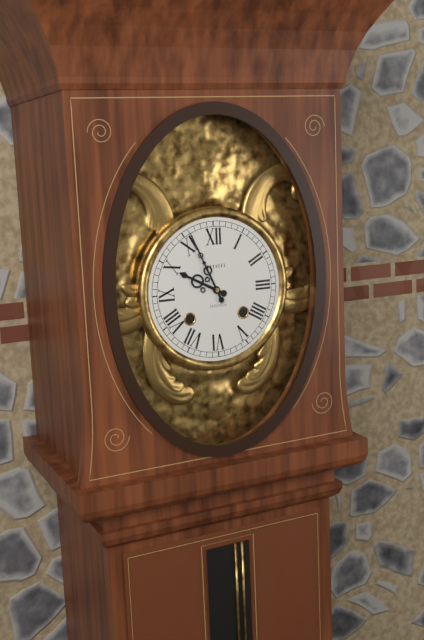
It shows {"hour": 9, "minute": 56}
